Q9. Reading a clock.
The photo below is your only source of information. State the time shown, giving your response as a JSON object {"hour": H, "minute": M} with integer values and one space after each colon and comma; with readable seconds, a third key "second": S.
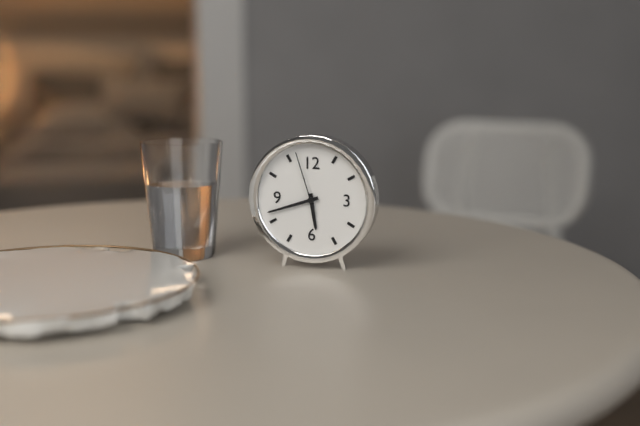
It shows {"hour": 5, "minute": 42, "second": 57}
